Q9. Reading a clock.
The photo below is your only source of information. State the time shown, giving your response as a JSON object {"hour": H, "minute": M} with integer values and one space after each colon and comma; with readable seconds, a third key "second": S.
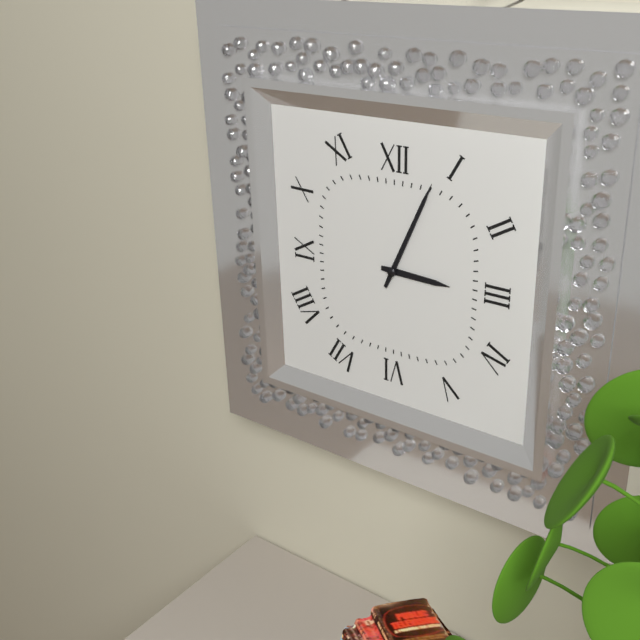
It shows {"hour": 3, "minute": 4}
